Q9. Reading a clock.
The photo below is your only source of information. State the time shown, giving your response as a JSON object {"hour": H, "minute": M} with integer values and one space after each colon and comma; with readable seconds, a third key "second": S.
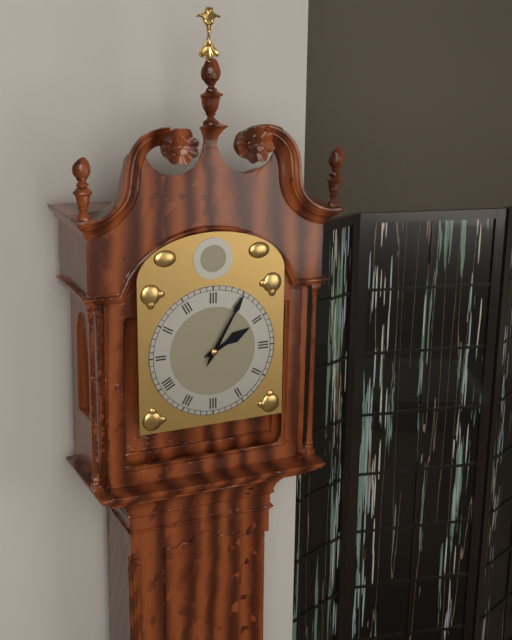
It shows {"hour": 2, "minute": 5}
